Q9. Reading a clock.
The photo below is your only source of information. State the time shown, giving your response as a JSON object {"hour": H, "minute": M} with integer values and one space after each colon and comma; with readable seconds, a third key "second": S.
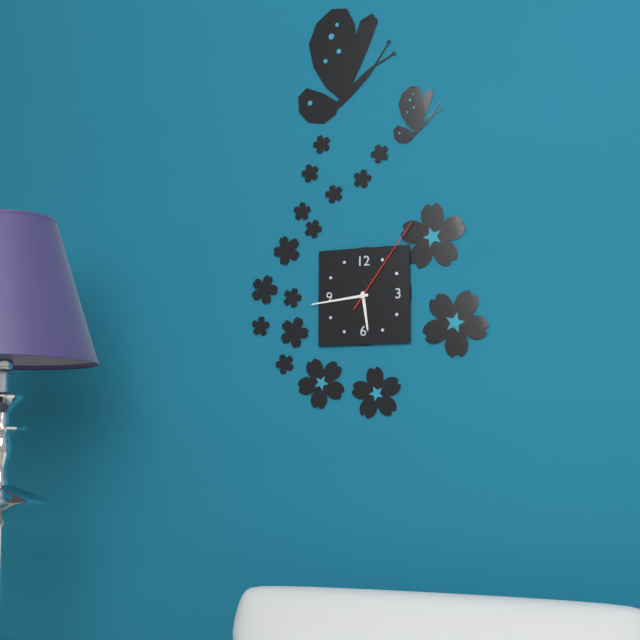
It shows {"hour": 5, "minute": 44, "second": 6}
